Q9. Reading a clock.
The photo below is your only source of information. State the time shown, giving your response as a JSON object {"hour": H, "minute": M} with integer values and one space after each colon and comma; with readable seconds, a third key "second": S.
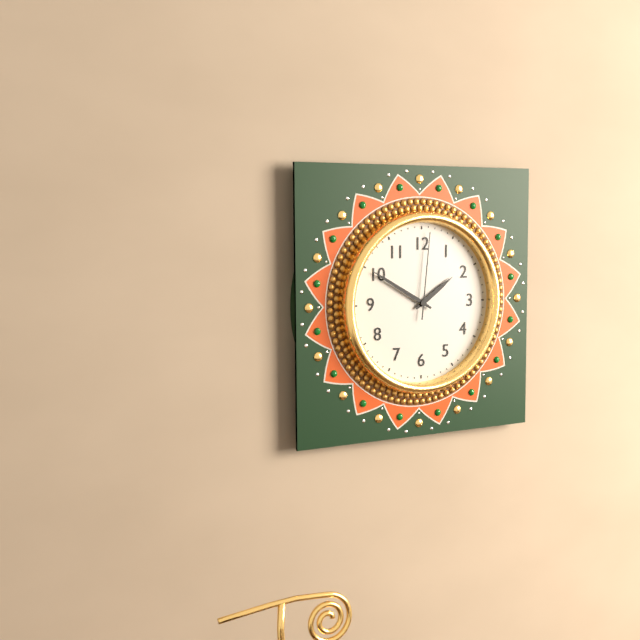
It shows {"hour": 1, "minute": 50, "second": 1}
